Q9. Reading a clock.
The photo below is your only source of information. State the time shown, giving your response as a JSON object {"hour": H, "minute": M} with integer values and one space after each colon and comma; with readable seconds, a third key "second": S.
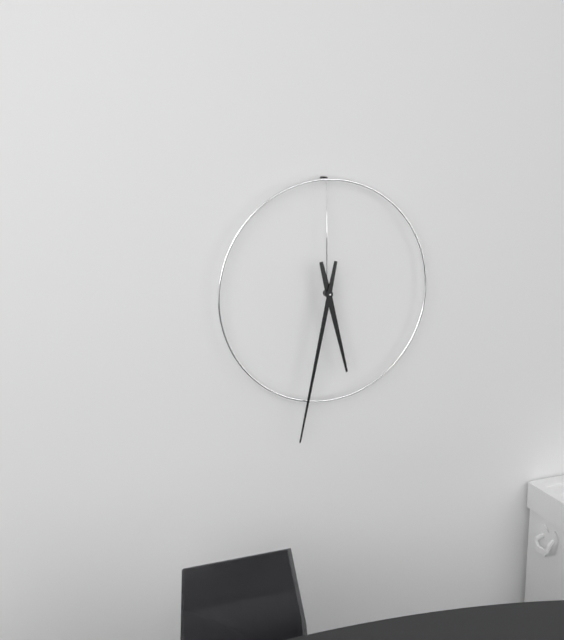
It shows {"hour": 5, "minute": 32}
